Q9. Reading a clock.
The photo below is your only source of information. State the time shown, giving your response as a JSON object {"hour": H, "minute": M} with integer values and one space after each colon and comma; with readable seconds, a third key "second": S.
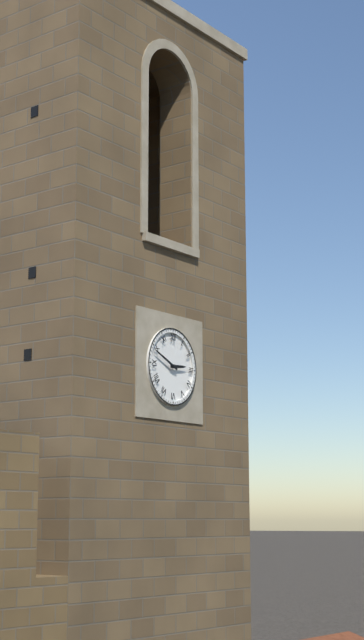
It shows {"hour": 2, "minute": 49}
